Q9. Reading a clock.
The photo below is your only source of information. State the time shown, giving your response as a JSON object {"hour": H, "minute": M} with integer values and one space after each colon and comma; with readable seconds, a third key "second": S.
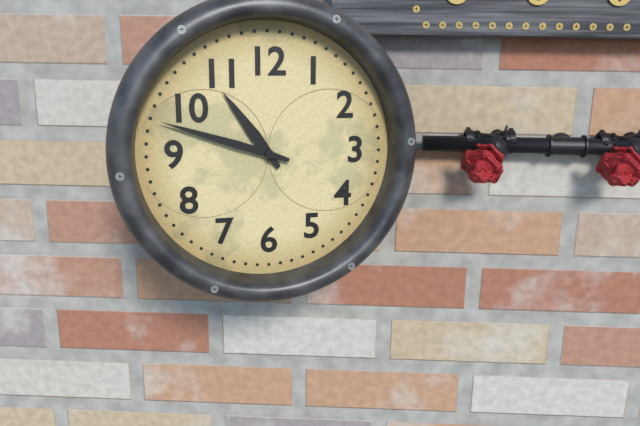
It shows {"hour": 10, "minute": 48}
